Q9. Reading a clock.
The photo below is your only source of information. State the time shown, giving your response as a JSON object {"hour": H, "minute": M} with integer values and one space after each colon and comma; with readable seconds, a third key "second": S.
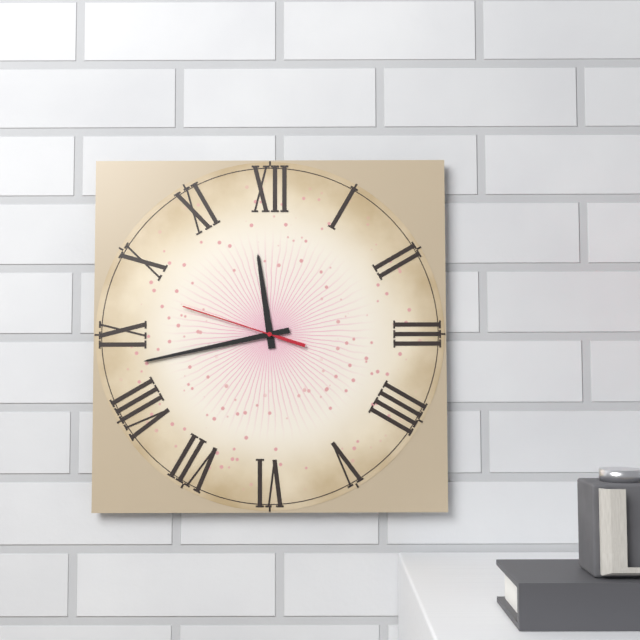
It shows {"hour": 11, "minute": 43, "second": 48}
